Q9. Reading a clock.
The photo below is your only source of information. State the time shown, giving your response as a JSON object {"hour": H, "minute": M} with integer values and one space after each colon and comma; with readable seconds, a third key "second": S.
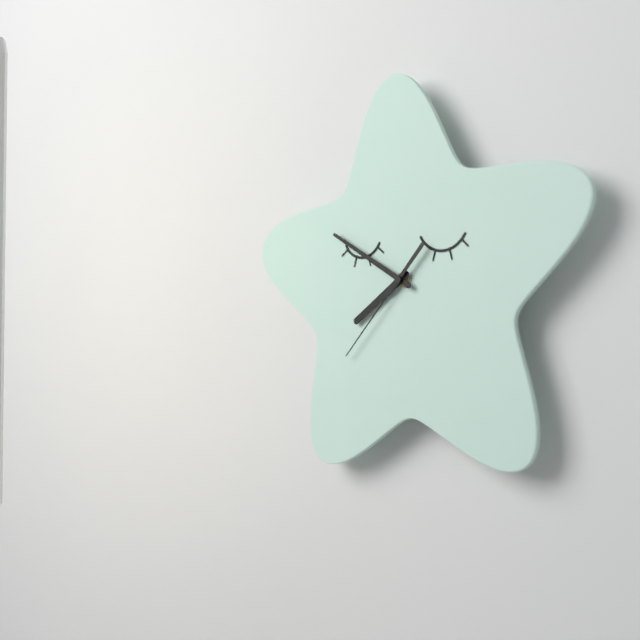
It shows {"hour": 7, "minute": 50, "second": 37}
